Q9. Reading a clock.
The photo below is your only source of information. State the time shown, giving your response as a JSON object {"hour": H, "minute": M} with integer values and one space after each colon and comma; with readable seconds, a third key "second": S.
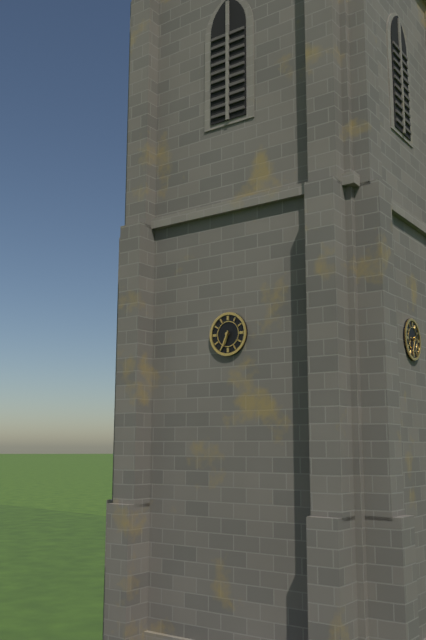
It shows {"hour": 6, "minute": 34}
